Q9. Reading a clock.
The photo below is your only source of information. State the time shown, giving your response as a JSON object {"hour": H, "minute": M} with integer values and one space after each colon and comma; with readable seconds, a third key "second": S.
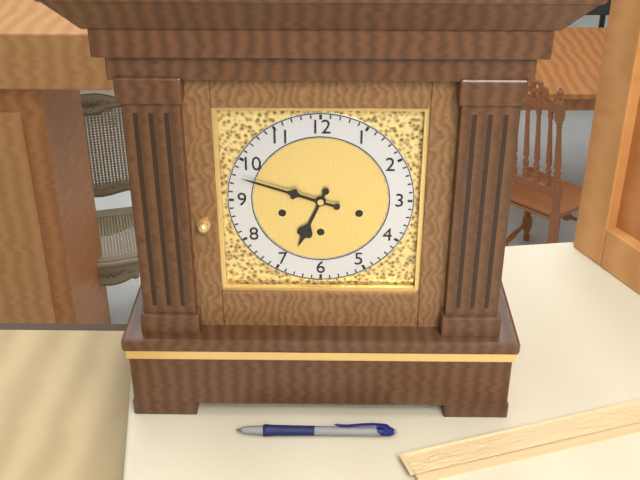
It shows {"hour": 6, "minute": 48}
